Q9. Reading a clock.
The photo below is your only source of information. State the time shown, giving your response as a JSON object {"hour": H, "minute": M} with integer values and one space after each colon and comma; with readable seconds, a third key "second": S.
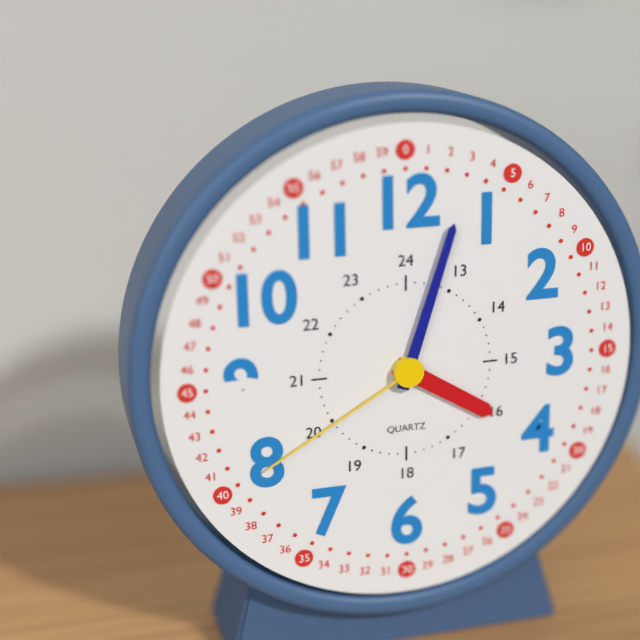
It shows {"hour": 4, "minute": 3, "second": 40}
